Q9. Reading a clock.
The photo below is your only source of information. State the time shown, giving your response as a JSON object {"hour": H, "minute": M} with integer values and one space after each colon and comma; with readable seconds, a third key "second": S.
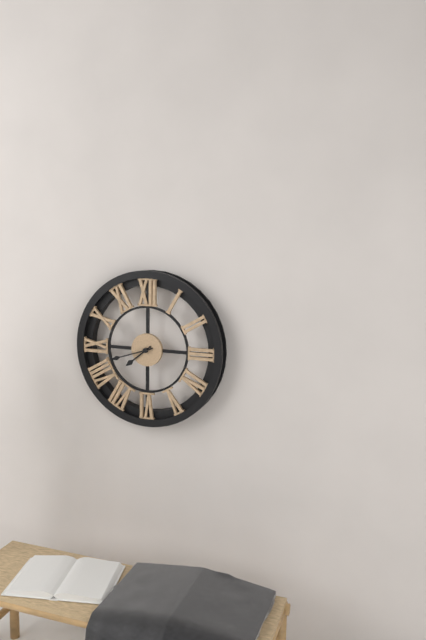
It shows {"hour": 7, "minute": 42}
